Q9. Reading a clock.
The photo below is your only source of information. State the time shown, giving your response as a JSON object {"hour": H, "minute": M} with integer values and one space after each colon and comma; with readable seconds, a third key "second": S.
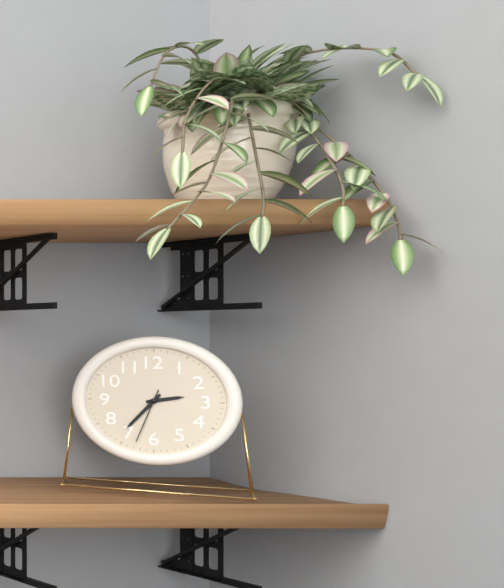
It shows {"hour": 2, "minute": 36, "second": 33}
